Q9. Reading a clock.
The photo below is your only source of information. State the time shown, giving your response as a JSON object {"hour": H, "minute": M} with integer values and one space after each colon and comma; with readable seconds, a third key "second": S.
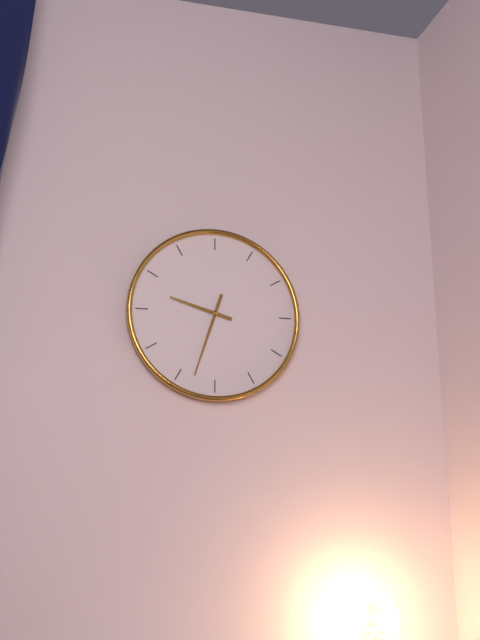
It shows {"hour": 9, "minute": 33}
